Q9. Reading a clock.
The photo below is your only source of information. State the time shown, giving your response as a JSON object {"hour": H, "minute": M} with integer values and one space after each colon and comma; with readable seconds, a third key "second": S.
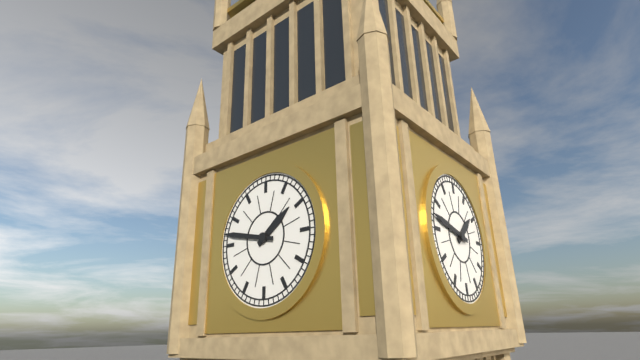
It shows {"hour": 1, "minute": 47}
